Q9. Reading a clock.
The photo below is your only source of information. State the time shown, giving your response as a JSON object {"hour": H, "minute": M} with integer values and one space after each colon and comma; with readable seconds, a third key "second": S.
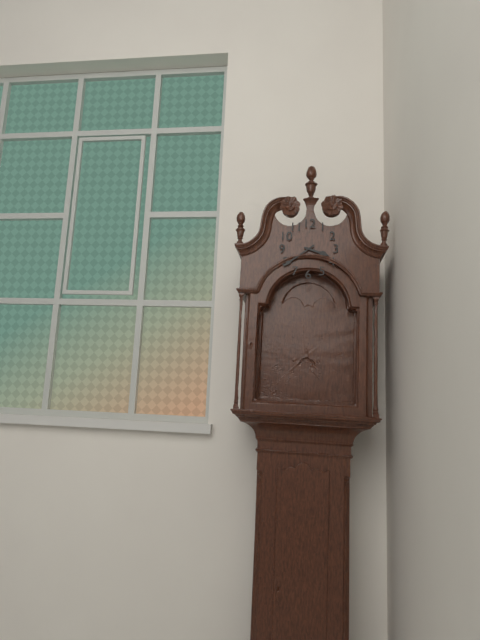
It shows {"hour": 3, "minute": 39}
